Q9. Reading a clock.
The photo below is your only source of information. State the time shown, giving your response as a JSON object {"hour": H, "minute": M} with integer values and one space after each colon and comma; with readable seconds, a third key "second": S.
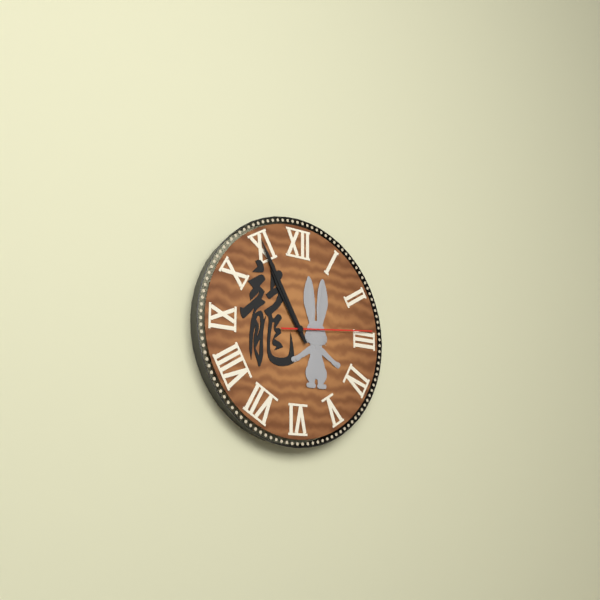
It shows {"hour": 10, "minute": 55, "second": 14}
